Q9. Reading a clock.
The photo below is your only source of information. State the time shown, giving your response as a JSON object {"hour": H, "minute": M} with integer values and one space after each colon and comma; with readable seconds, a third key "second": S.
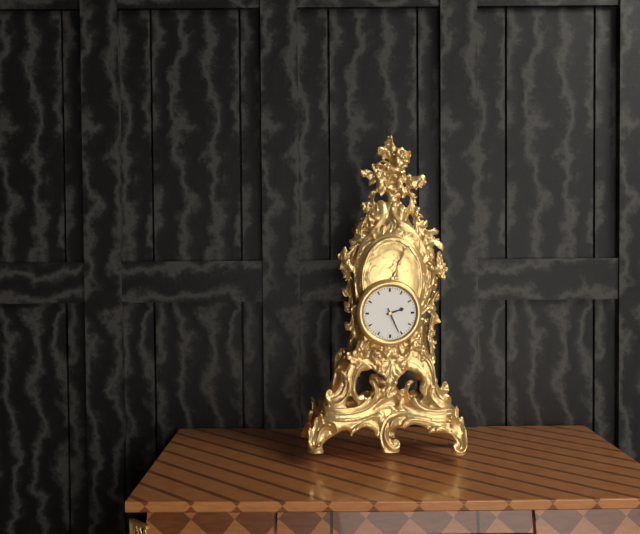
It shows {"hour": 2, "minute": 26}
